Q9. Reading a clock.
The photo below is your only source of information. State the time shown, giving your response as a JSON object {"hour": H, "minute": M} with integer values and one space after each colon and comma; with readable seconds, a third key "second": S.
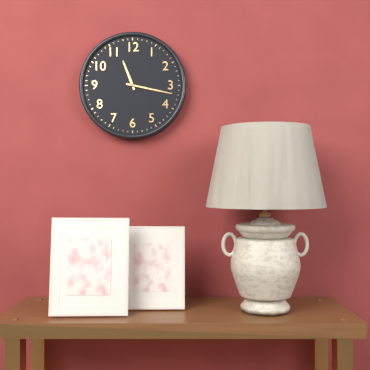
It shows {"hour": 11, "minute": 17}
